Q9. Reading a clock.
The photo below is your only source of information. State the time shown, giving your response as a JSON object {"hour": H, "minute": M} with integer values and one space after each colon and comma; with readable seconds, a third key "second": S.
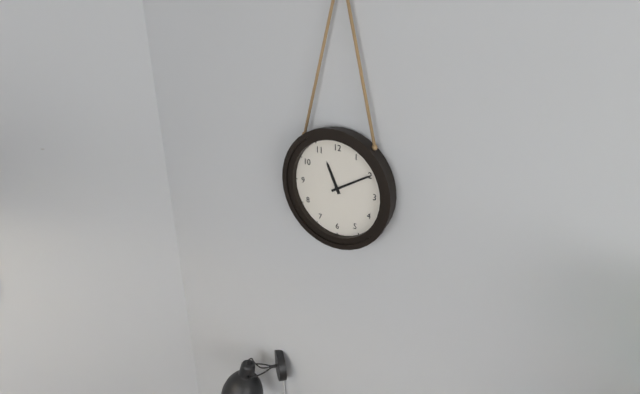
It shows {"hour": 11, "minute": 10}
